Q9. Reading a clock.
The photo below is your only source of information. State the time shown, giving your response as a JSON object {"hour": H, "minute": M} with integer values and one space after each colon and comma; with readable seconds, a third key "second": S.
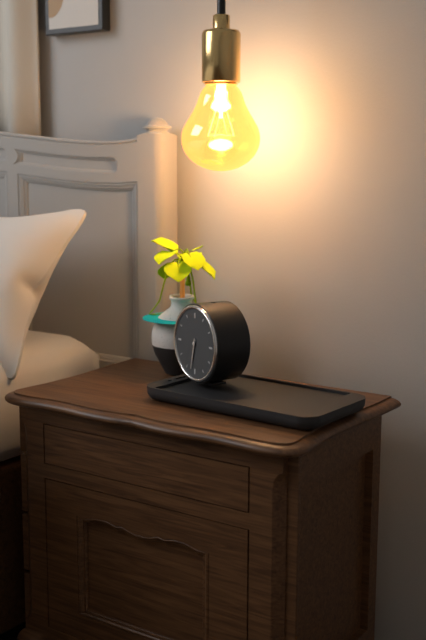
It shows {"hour": 6, "minute": 32}
